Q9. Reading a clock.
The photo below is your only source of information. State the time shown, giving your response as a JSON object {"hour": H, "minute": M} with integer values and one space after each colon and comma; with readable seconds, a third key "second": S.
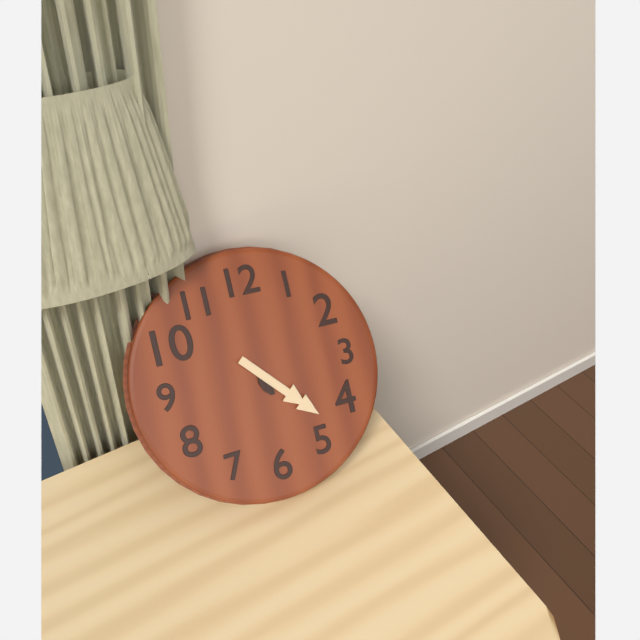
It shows {"hour": 5, "minute": 23}
